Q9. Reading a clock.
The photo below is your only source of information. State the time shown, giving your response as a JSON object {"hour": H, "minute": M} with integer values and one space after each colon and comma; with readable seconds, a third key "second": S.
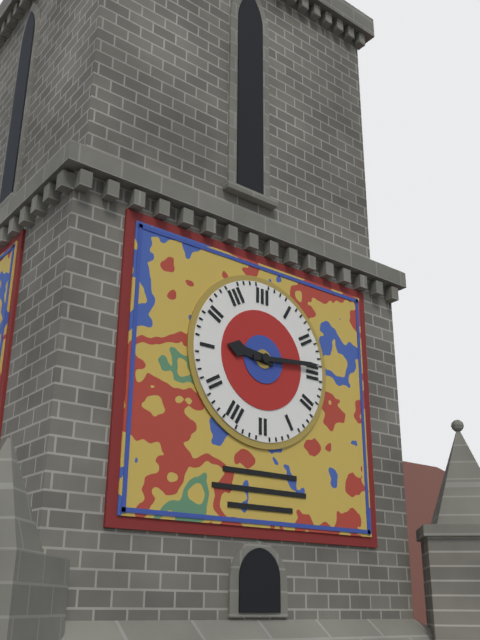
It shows {"hour": 9, "minute": 14}
